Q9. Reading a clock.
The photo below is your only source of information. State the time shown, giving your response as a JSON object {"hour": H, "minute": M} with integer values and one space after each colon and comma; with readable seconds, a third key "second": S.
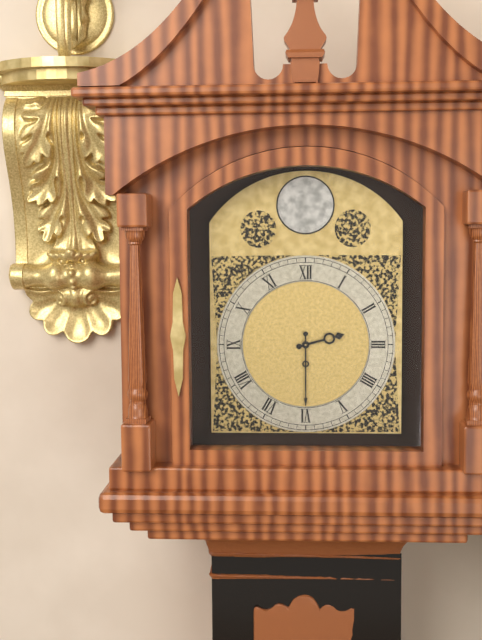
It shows {"hour": 2, "minute": 30}
